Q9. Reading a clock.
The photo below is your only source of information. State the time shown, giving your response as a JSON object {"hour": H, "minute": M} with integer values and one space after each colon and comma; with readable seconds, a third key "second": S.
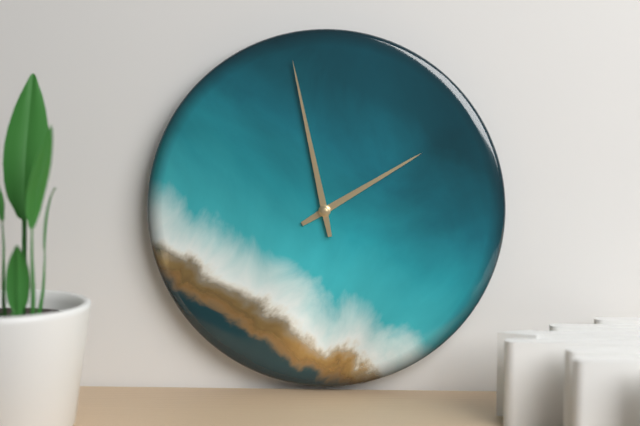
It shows {"hour": 1, "minute": 58}
